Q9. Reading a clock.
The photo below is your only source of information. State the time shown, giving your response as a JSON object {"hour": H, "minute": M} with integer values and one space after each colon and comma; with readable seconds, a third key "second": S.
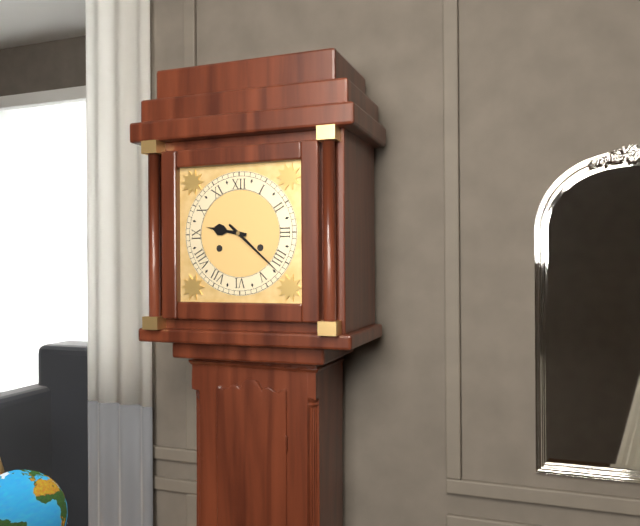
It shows {"hour": 9, "minute": 22}
